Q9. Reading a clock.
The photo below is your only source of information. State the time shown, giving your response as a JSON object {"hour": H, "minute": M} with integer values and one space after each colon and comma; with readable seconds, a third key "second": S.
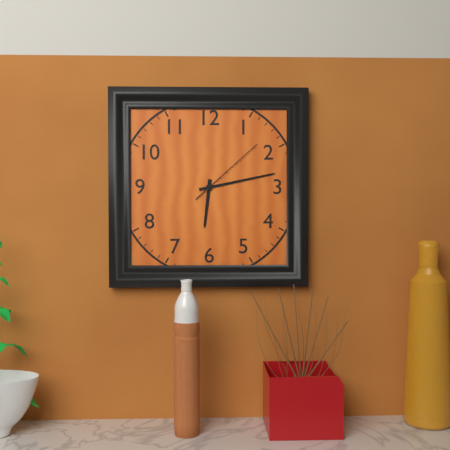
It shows {"hour": 6, "minute": 13, "second": 8}
